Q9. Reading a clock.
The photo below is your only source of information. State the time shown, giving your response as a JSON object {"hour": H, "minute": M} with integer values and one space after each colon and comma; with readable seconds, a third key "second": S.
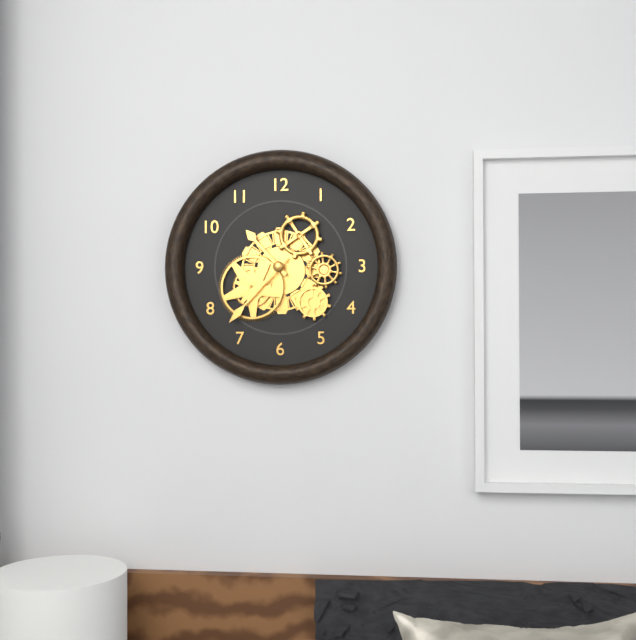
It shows {"hour": 10, "minute": 37}
